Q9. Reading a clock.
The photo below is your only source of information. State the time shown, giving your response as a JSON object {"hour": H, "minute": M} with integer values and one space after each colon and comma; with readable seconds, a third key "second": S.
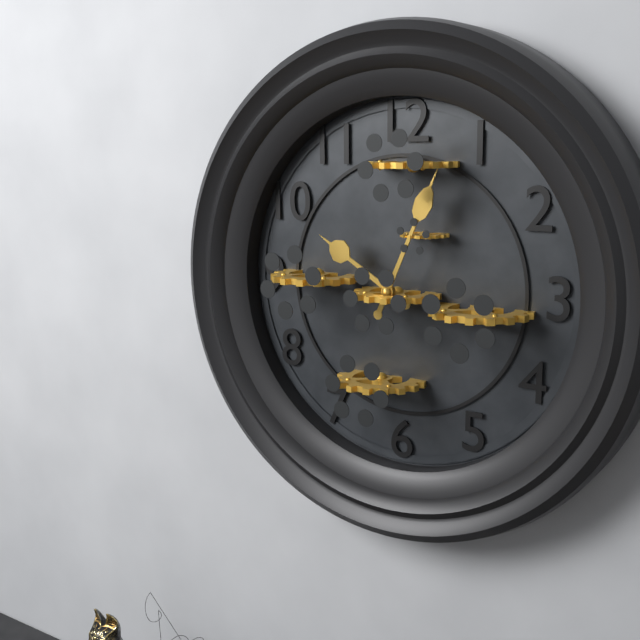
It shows {"hour": 10, "minute": 4}
